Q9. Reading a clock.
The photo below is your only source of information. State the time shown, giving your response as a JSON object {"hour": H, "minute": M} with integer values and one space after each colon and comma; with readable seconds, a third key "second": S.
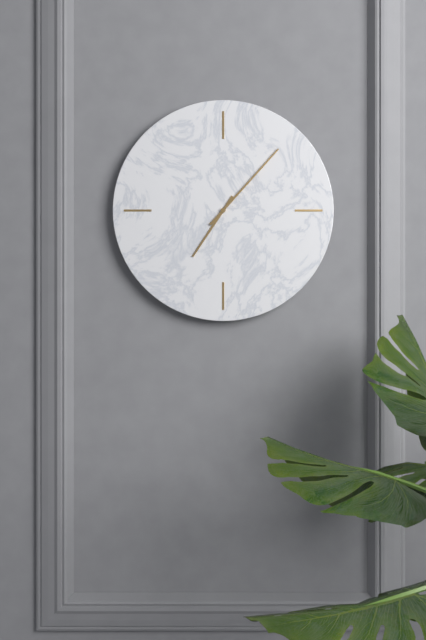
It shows {"hour": 7, "minute": 7}
